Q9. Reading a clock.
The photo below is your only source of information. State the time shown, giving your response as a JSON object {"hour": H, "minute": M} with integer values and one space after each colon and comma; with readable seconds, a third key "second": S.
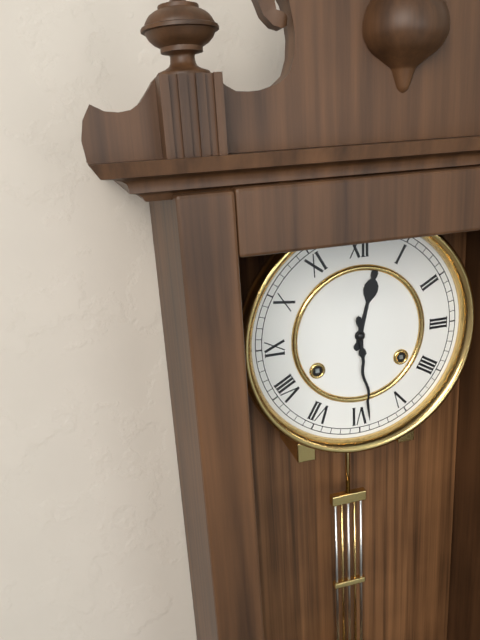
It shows {"hour": 12, "minute": 29}
